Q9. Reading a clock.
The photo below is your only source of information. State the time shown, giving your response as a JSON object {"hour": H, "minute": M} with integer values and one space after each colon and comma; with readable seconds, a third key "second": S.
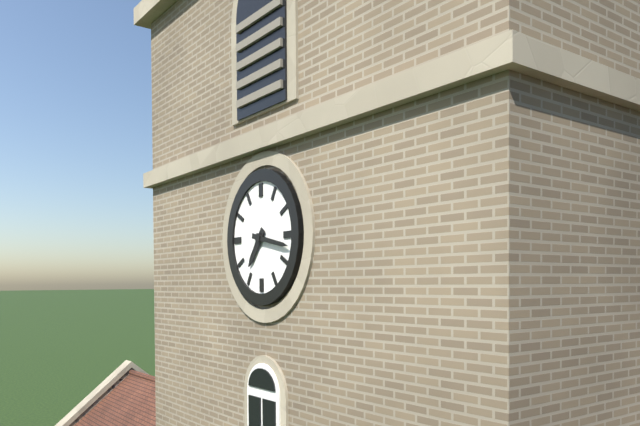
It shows {"hour": 7, "minute": 17}
